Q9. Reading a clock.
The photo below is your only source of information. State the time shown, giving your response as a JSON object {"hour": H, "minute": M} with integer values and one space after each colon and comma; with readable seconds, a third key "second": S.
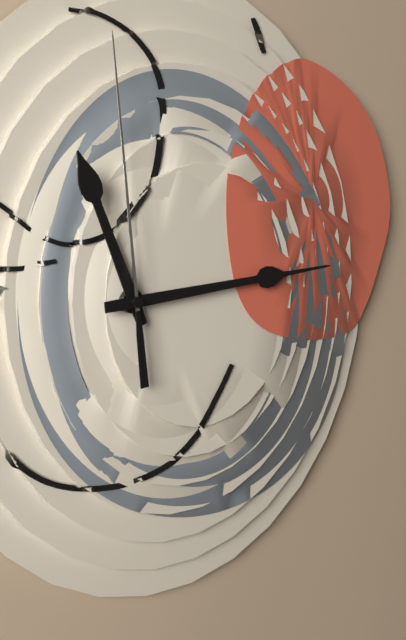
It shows {"hour": 11, "minute": 14, "second": 59}
